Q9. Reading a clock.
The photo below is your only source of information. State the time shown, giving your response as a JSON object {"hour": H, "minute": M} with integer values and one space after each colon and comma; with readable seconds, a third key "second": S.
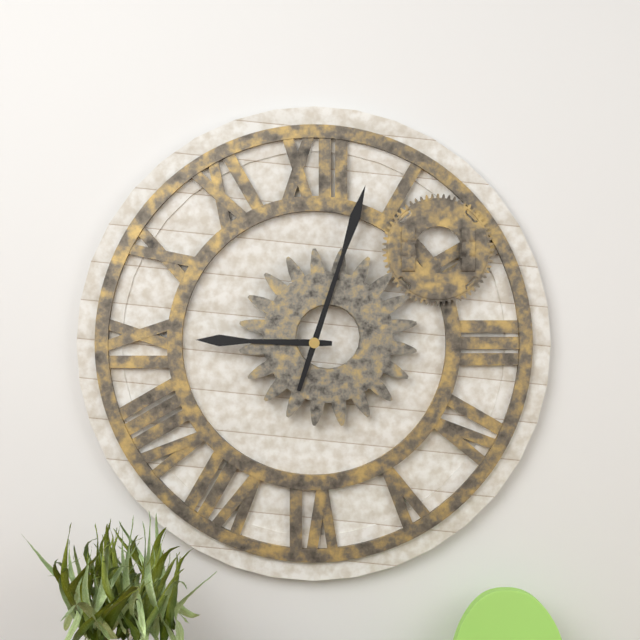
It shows {"hour": 9, "minute": 3}
